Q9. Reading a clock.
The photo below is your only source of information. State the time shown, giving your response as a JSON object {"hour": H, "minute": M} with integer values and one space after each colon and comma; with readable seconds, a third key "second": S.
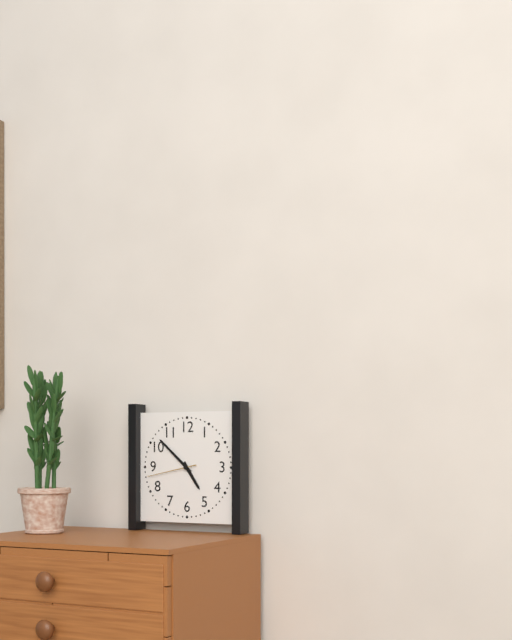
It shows {"hour": 4, "minute": 52}
